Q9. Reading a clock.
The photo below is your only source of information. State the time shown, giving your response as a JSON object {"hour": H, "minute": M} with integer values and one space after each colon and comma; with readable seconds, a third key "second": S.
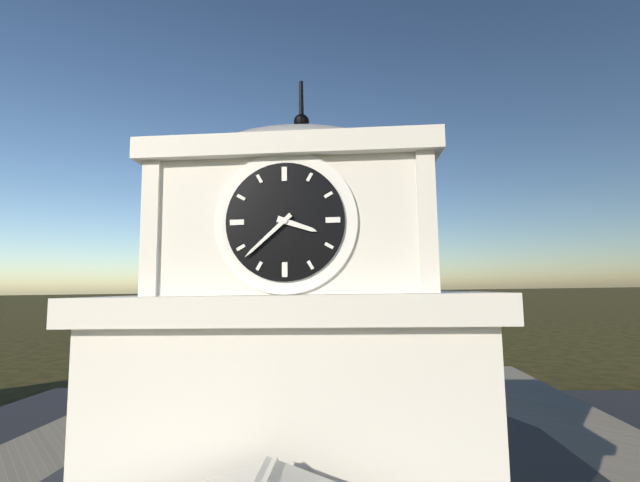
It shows {"hour": 3, "minute": 38}
